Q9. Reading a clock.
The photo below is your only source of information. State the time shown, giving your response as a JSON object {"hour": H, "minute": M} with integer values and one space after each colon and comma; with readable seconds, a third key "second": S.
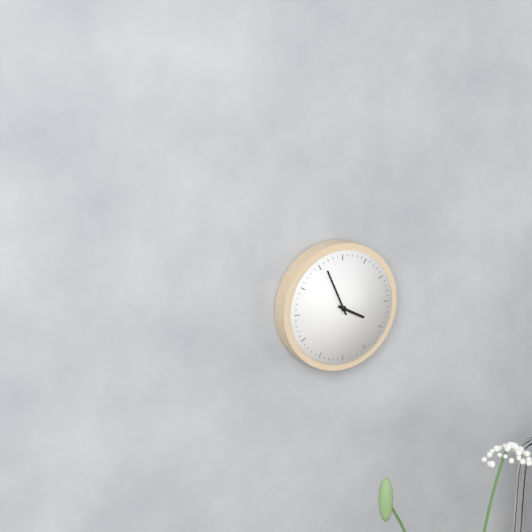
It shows {"hour": 3, "minute": 56}
